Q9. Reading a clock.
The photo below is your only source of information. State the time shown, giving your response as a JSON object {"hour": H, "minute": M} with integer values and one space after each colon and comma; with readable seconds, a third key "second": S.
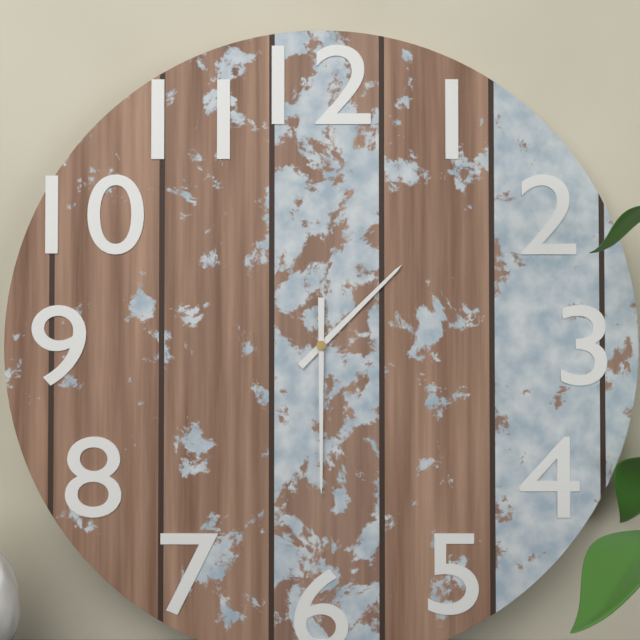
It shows {"hour": 1, "minute": 30}
